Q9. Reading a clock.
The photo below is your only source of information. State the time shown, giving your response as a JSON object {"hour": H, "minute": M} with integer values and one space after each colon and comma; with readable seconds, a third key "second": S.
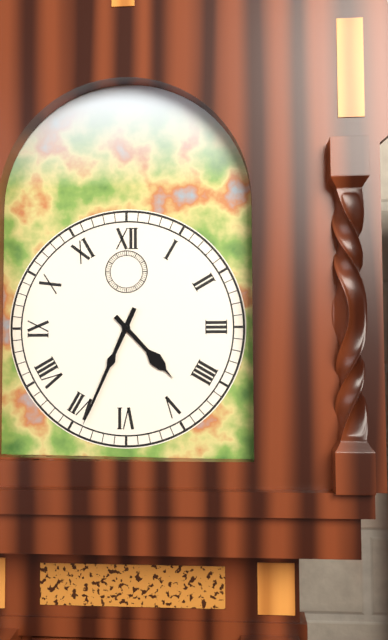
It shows {"hour": 4, "minute": 34}
